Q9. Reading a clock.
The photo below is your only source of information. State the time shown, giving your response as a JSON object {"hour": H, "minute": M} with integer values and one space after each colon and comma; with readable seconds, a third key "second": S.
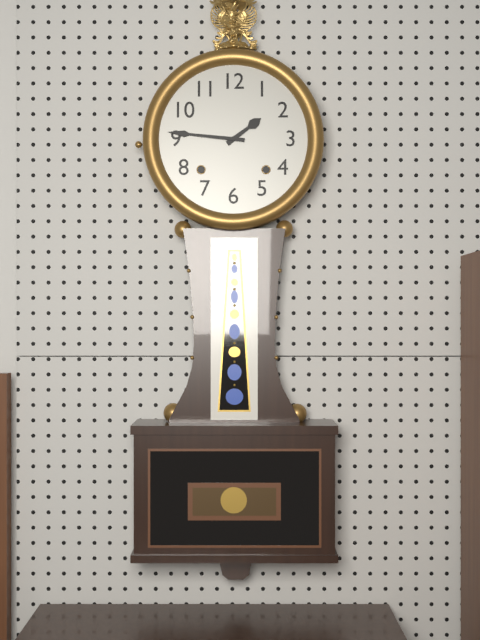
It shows {"hour": 1, "minute": 46}
